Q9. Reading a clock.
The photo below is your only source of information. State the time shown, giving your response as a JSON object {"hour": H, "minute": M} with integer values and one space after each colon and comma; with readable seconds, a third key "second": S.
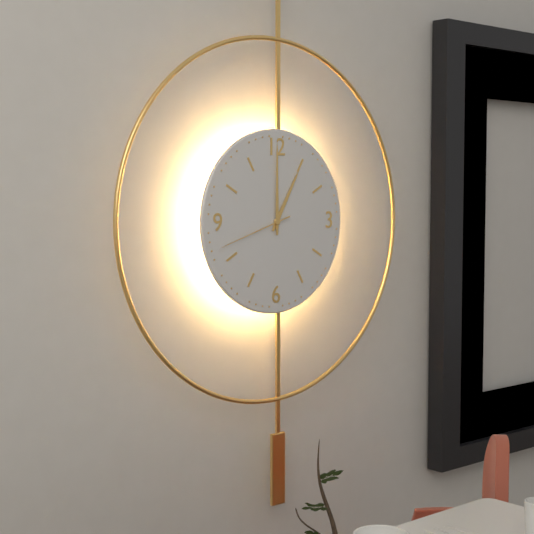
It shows {"hour": 1, "minute": 0, "second": 42}
